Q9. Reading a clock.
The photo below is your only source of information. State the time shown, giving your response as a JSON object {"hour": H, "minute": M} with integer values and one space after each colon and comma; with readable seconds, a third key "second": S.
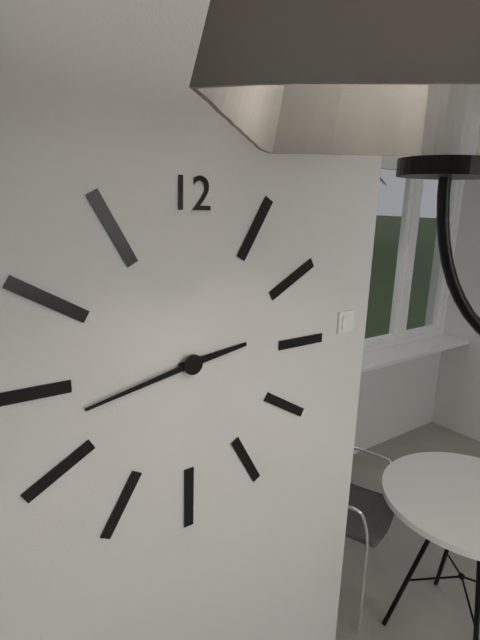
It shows {"hour": 2, "minute": 43}
